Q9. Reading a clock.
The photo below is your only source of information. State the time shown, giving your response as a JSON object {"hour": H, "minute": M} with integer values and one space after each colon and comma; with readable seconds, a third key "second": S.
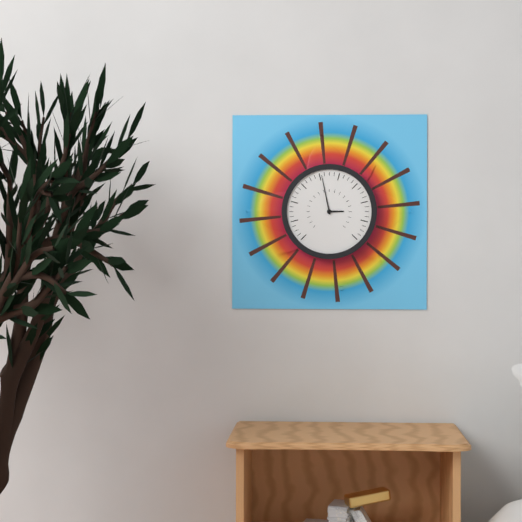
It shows {"hour": 2, "minute": 58}
